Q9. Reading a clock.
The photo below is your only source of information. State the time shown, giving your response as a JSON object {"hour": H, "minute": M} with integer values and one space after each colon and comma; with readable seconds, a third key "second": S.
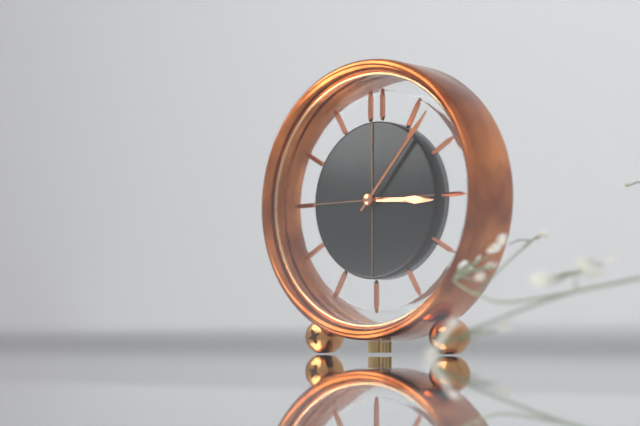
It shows {"hour": 3, "minute": 7}
